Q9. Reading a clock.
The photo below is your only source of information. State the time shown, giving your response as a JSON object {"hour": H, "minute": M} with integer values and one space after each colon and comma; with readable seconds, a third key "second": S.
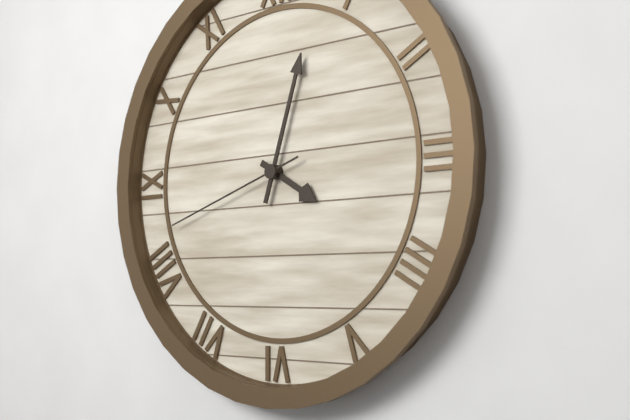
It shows {"hour": 4, "minute": 3, "second": 42}
